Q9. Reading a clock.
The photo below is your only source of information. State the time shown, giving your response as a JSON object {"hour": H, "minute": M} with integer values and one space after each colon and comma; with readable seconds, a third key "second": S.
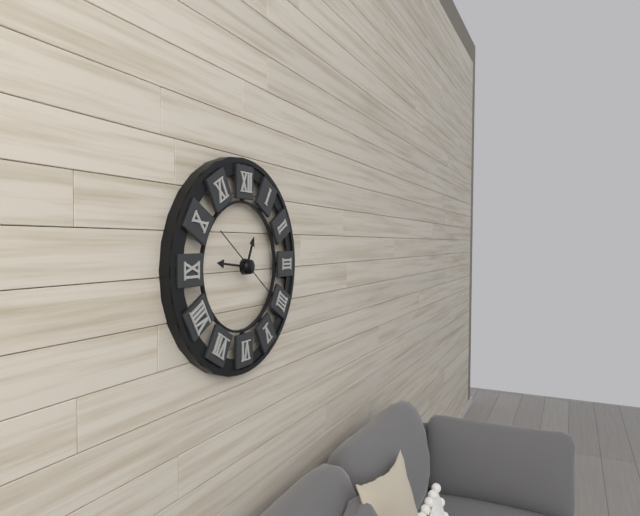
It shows {"hour": 12, "minute": 46, "second": 51}
